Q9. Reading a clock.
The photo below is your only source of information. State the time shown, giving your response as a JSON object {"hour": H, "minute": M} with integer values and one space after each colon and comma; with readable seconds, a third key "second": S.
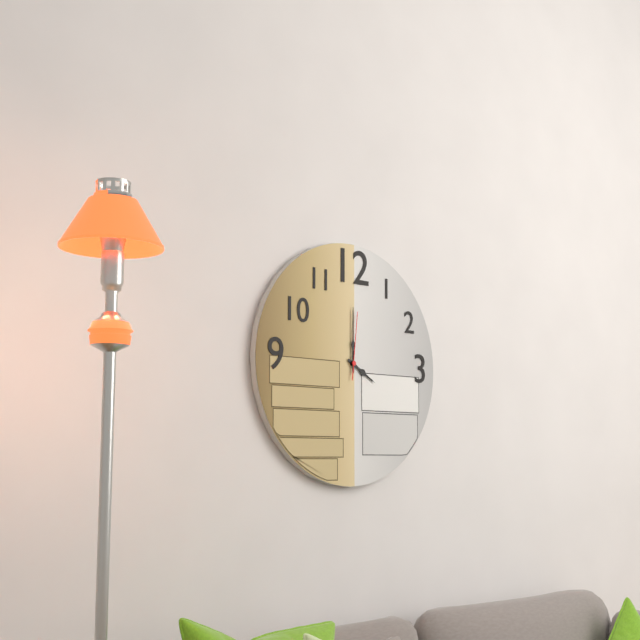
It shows {"hour": 4, "minute": 0, "second": 1}
